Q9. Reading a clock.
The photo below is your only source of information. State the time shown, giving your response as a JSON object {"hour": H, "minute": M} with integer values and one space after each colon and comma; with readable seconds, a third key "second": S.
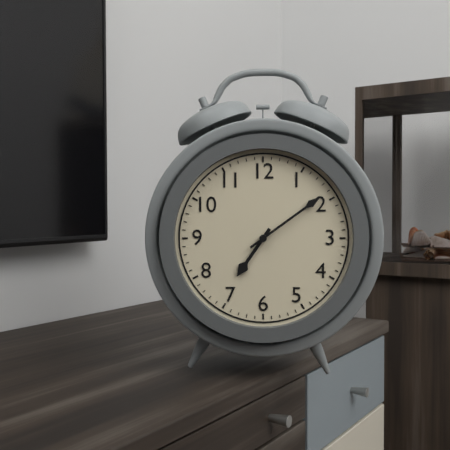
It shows {"hour": 7, "minute": 9}
